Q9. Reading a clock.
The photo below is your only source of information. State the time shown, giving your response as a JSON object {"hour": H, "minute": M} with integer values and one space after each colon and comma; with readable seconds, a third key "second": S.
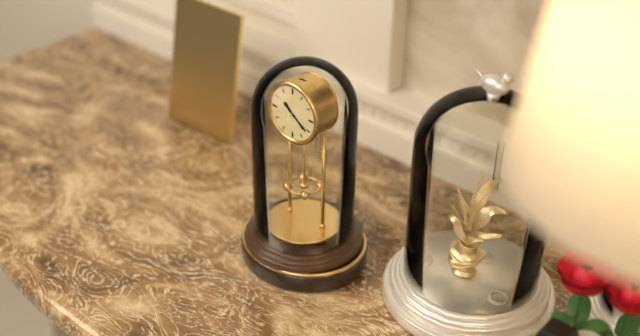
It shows {"hour": 10, "minute": 21}
